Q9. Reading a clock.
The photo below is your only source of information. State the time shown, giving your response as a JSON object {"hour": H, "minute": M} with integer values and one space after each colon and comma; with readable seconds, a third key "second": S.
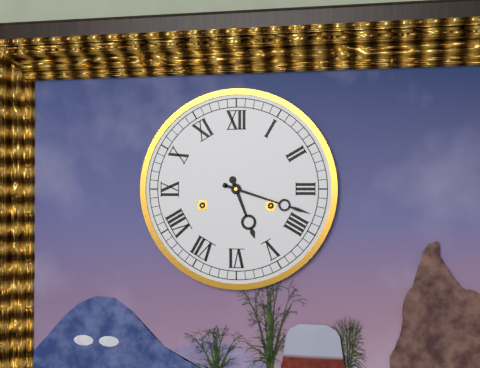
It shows {"hour": 5, "minute": 18}
